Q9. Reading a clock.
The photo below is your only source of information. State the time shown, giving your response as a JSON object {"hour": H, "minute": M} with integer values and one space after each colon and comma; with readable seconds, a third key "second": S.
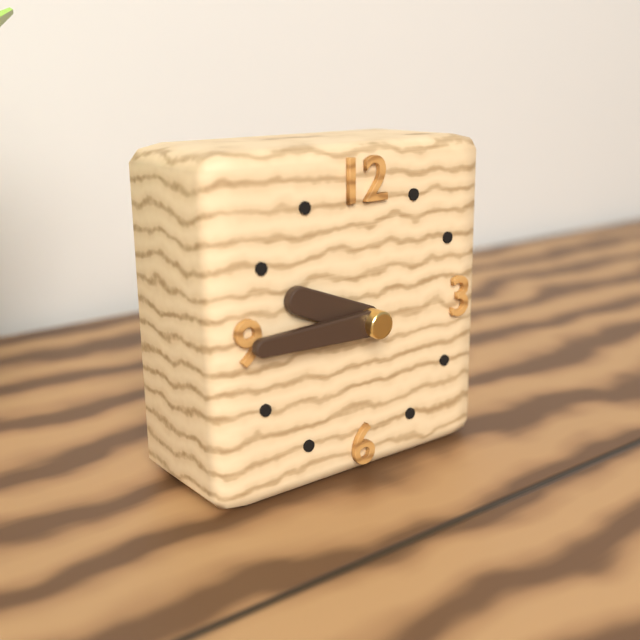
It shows {"hour": 9, "minute": 45}
